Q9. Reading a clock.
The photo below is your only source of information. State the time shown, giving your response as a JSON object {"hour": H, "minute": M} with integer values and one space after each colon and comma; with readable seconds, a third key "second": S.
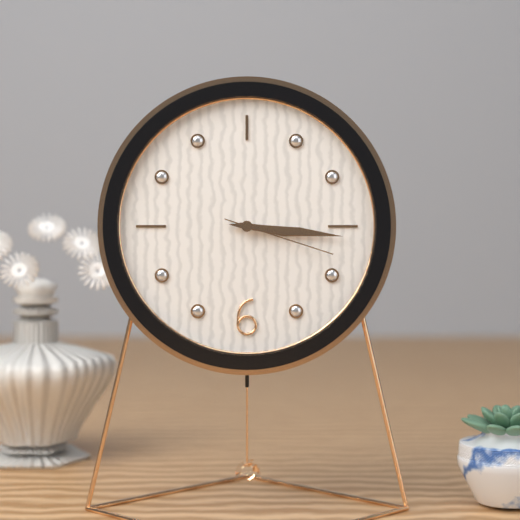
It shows {"hour": 3, "minute": 16, "second": 18}
